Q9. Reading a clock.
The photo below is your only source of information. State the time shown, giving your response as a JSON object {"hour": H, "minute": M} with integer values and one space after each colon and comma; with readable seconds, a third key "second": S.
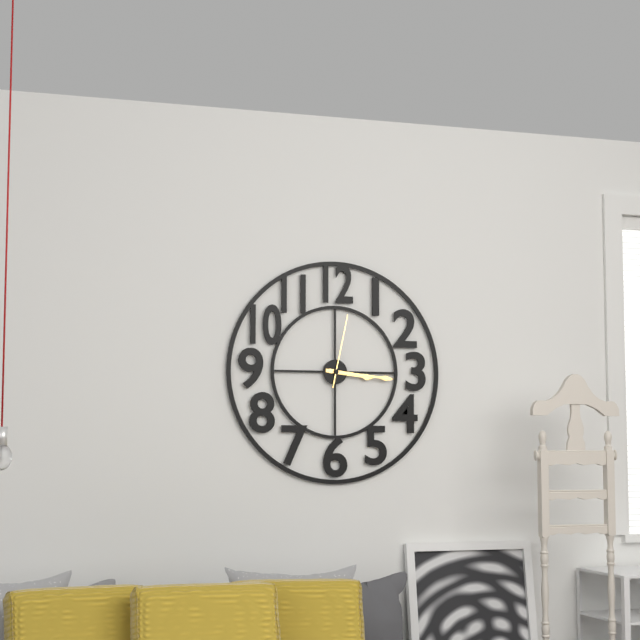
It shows {"hour": 3, "minute": 16, "second": 2}
